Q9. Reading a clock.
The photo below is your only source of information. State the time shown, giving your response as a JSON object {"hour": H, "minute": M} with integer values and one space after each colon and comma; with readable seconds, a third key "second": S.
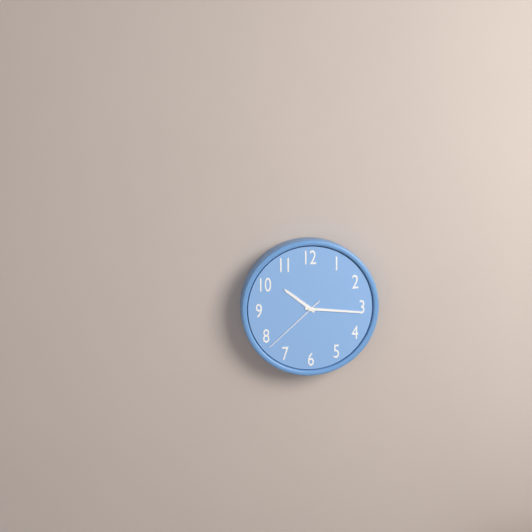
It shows {"hour": 10, "minute": 16, "second": 38}
